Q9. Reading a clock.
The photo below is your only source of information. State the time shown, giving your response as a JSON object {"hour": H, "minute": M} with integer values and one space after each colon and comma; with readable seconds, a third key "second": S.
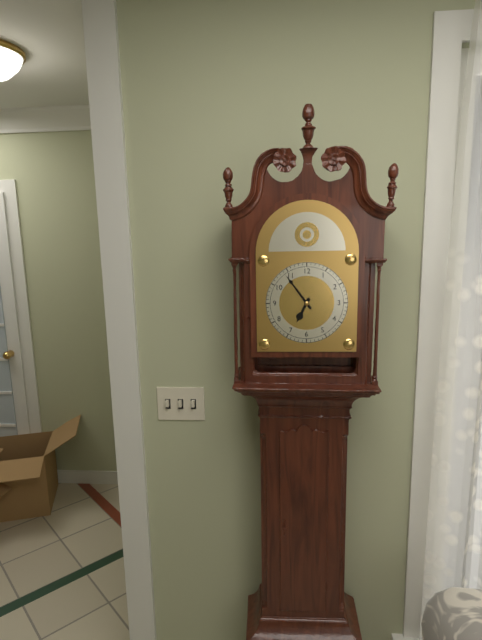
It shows {"hour": 6, "minute": 54}
